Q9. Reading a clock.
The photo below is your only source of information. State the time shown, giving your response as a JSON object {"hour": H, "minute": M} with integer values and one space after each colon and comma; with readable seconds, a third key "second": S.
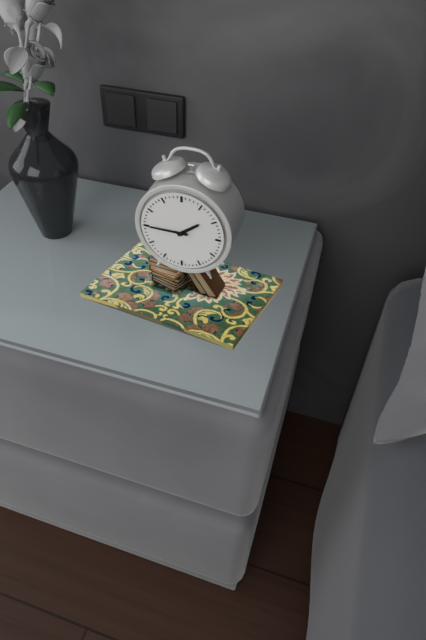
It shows {"hour": 1, "minute": 45}
